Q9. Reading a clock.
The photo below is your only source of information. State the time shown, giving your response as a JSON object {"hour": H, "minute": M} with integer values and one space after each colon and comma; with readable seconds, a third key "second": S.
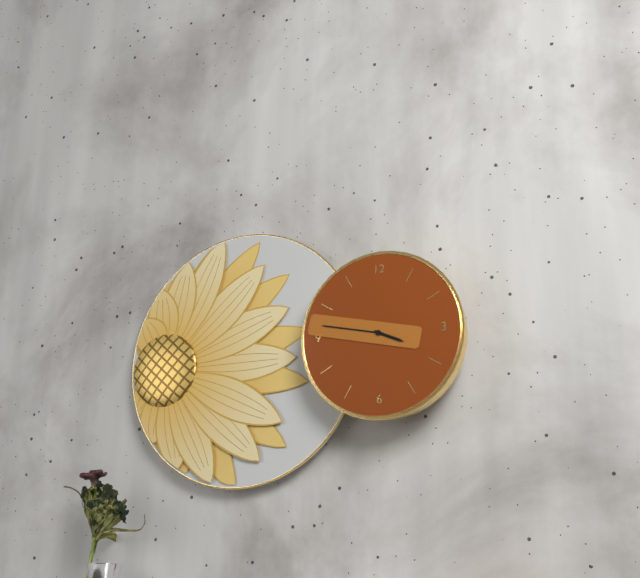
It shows {"hour": 3, "minute": 47}
